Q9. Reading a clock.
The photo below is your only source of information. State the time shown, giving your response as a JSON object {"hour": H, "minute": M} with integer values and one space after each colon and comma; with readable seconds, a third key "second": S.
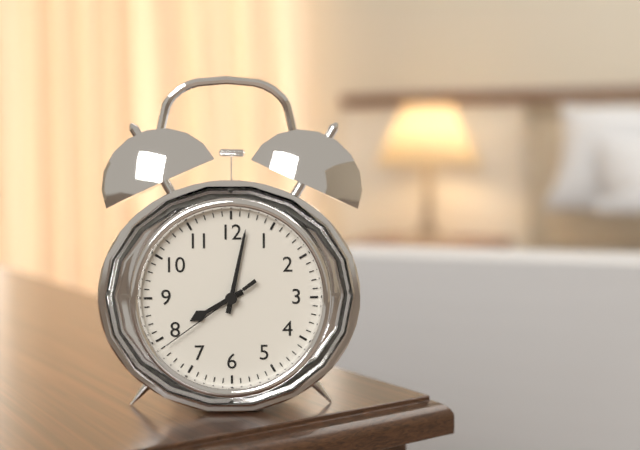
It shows {"hour": 8, "minute": 2, "second": 39}
